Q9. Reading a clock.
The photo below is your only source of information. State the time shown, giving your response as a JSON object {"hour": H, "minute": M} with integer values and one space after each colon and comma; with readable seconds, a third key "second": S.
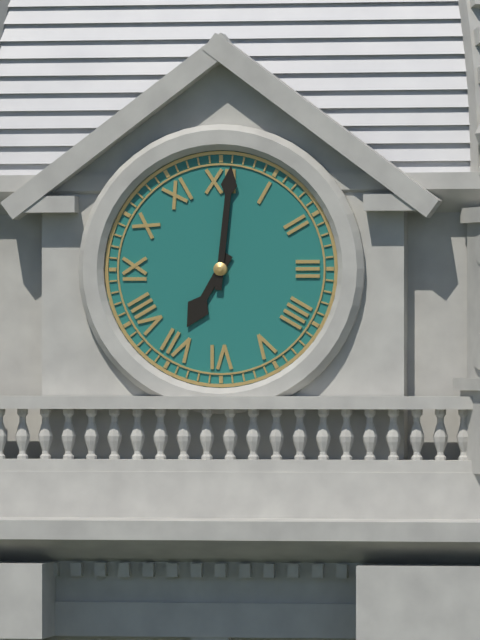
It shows {"hour": 7, "minute": 1}
